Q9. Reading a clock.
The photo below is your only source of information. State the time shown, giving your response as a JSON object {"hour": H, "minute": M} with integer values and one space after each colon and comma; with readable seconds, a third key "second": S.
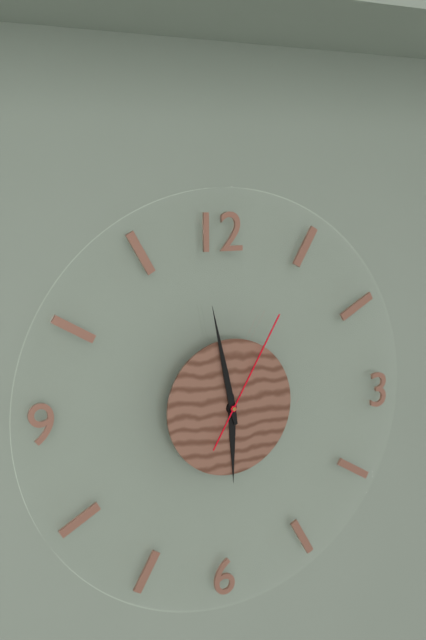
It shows {"hour": 5, "minute": 58, "second": 5}
